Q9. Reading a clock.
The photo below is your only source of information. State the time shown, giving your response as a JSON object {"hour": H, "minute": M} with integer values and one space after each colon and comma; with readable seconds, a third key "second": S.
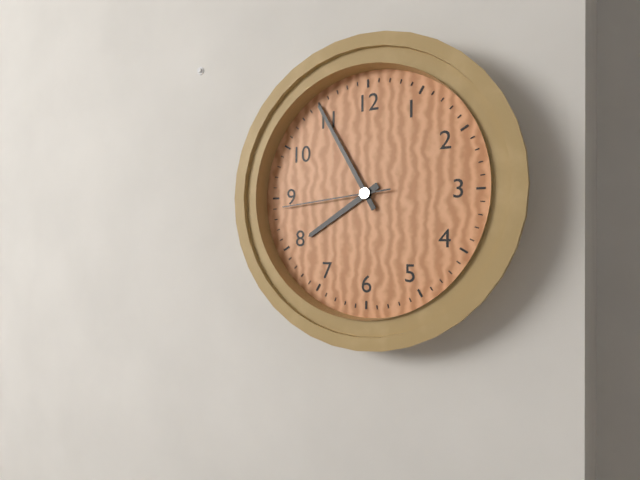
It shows {"hour": 7, "minute": 55, "second": 44}
